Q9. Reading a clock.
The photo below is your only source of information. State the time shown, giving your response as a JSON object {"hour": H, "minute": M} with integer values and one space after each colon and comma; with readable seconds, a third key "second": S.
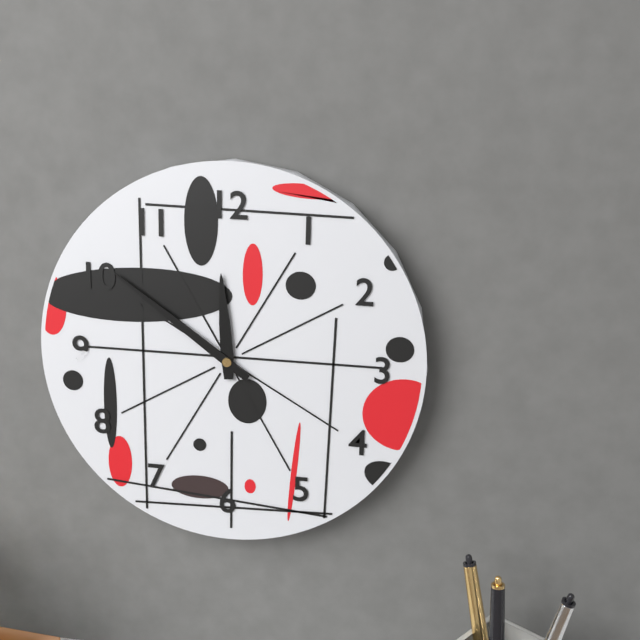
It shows {"hour": 11, "minute": 51}
